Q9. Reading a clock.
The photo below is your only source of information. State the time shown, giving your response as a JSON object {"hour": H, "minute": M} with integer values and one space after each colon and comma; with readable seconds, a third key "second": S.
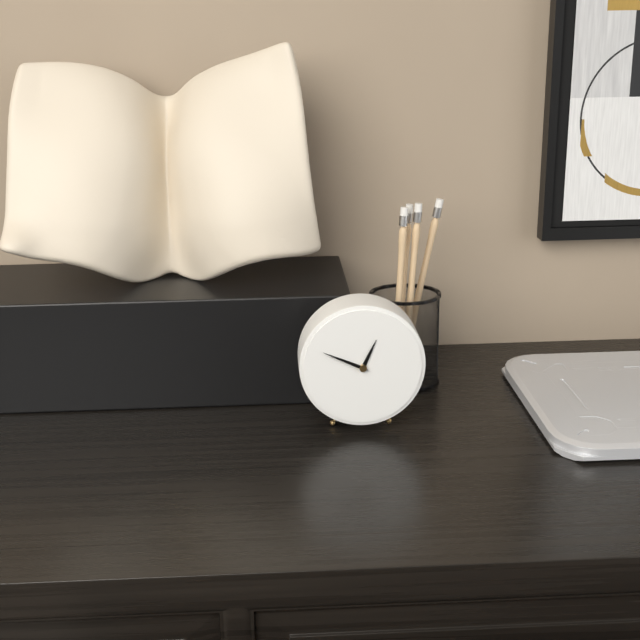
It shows {"hour": 12, "minute": 49}
